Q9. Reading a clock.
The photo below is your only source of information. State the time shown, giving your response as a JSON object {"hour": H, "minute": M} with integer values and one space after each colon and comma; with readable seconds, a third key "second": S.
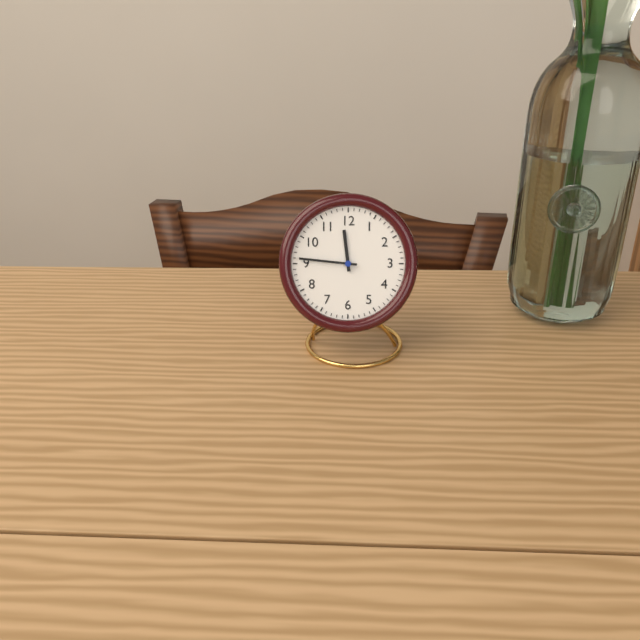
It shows {"hour": 11, "minute": 46}
